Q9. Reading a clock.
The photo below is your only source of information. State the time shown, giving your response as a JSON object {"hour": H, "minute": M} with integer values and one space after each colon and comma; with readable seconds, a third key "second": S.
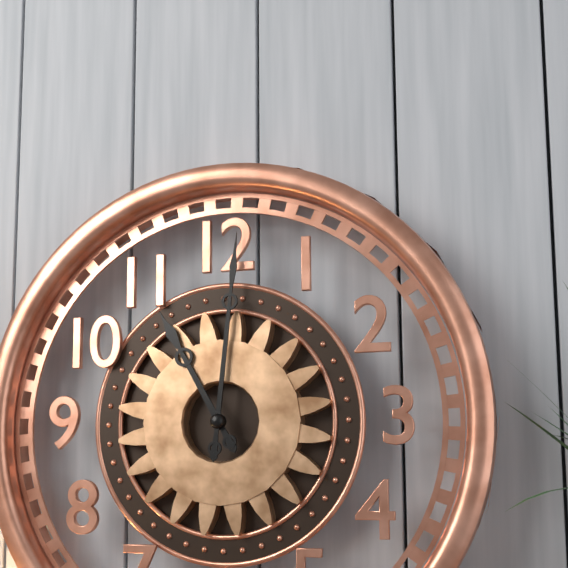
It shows {"hour": 11, "minute": 1}
